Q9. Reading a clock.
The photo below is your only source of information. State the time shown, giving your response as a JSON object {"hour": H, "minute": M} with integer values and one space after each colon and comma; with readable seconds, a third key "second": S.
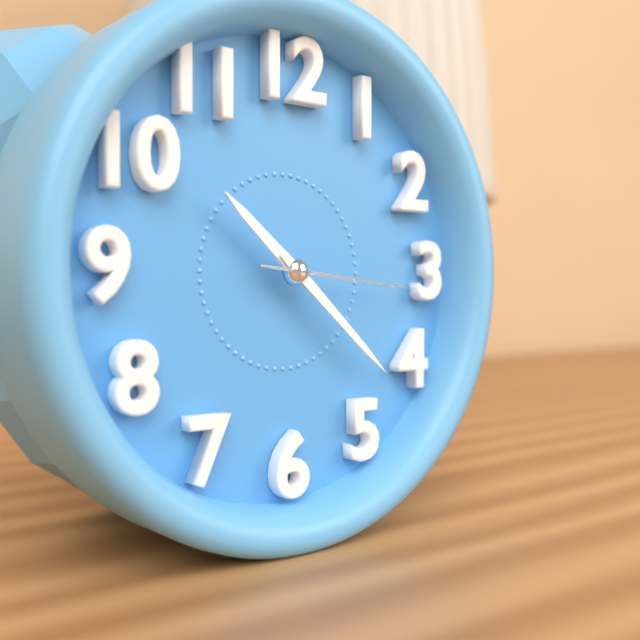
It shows {"hour": 10, "minute": 22, "second": 16}
